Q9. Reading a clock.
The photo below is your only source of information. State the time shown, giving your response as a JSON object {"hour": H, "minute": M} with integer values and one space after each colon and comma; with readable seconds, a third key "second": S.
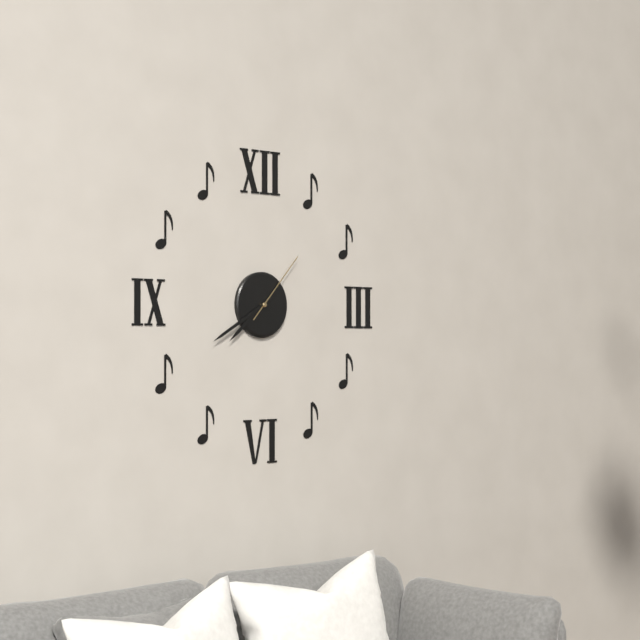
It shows {"hour": 7, "minute": 40, "second": 7}
